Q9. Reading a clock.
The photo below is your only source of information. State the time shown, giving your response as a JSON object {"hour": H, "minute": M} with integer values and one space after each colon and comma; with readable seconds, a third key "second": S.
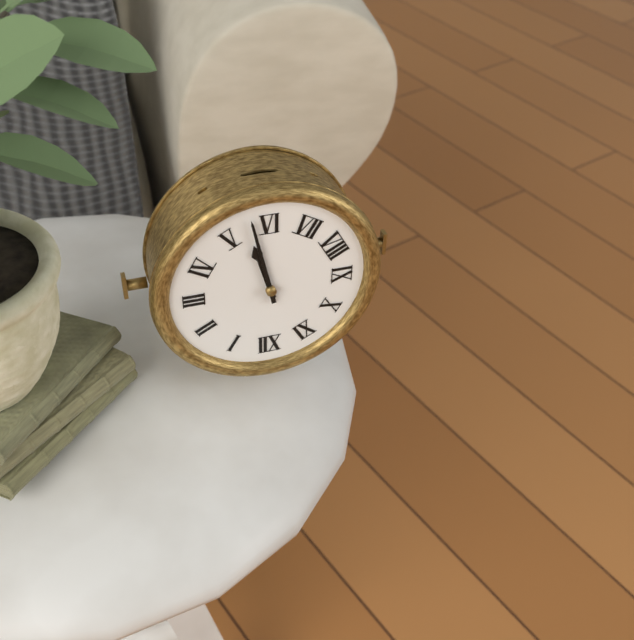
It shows {"hour": 5, "minute": 28}
